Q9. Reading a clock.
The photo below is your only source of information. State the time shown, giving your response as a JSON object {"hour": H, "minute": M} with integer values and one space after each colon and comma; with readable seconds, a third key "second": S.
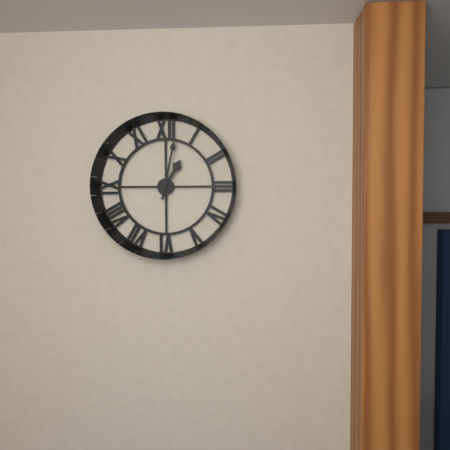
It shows {"hour": 1, "minute": 2}
